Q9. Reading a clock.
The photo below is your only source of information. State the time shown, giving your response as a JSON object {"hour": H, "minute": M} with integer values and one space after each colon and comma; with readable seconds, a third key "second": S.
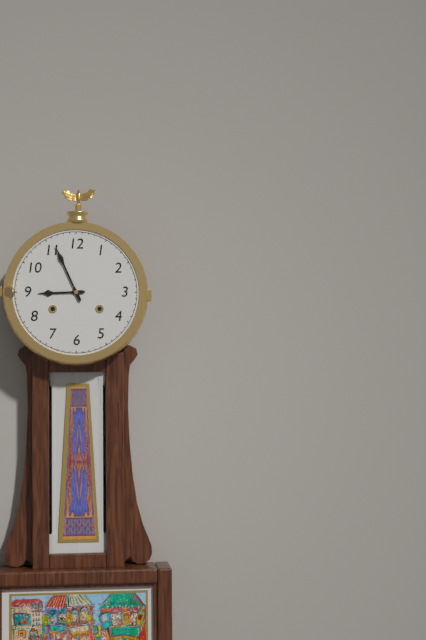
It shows {"hour": 8, "minute": 56}
